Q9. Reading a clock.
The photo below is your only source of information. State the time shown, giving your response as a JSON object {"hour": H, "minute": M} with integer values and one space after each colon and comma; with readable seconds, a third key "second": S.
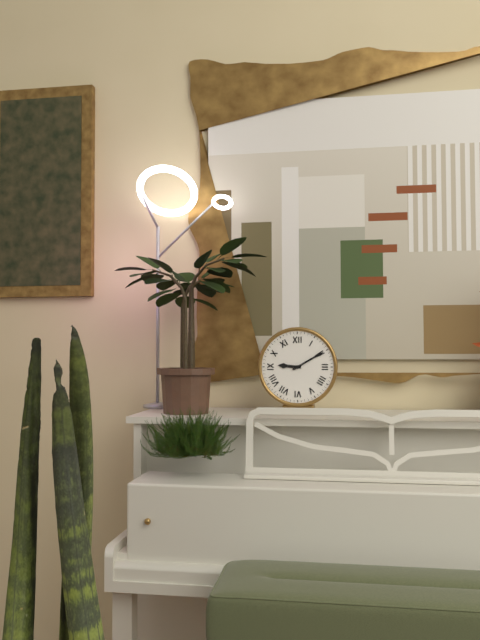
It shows {"hour": 9, "minute": 10}
